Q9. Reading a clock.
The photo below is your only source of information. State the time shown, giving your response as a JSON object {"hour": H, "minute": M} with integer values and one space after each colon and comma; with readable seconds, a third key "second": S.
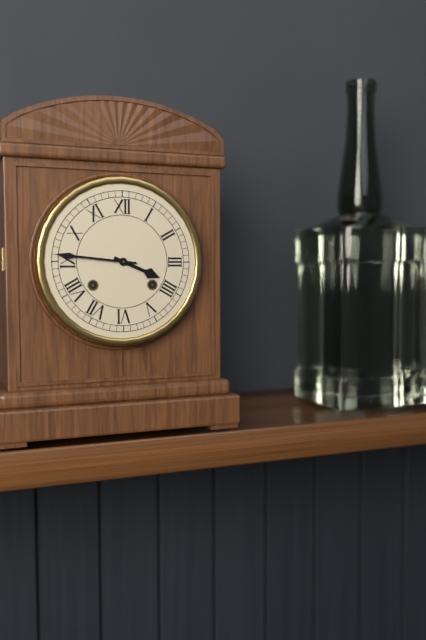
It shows {"hour": 3, "minute": 46}
